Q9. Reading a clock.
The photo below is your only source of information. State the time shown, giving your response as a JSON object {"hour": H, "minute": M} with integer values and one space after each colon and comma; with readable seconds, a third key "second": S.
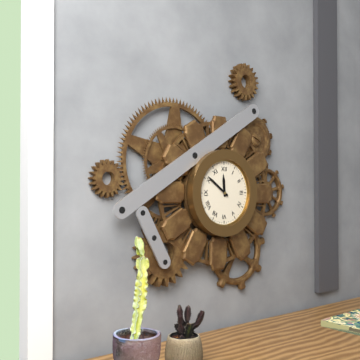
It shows {"hour": 11, "minute": 51}
